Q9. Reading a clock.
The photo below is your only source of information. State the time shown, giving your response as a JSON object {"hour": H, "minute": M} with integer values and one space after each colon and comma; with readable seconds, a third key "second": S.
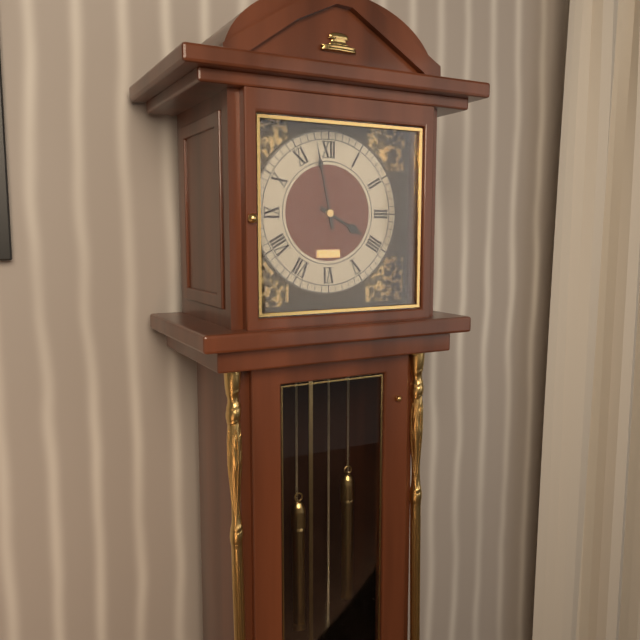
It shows {"hour": 3, "minute": 58}
